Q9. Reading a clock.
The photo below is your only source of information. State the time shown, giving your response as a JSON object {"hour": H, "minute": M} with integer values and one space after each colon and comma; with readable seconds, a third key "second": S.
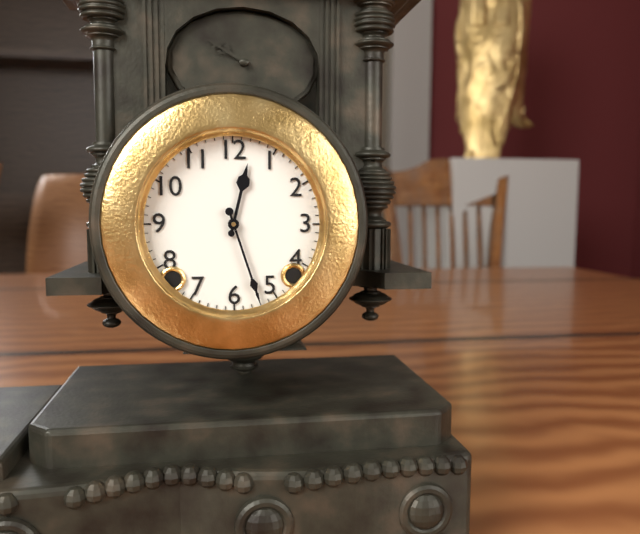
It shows {"hour": 12, "minute": 27}
